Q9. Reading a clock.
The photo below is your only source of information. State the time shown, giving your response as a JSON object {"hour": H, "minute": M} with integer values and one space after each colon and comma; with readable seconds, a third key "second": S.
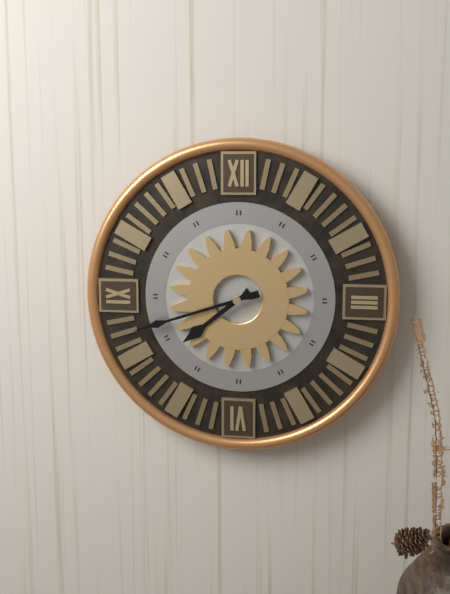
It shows {"hour": 7, "minute": 42}
